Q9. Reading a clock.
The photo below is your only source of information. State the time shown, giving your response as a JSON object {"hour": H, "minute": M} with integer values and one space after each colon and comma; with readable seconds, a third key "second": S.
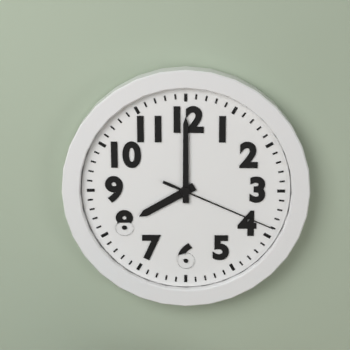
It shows {"hour": 8, "minute": 0, "second": 19}
